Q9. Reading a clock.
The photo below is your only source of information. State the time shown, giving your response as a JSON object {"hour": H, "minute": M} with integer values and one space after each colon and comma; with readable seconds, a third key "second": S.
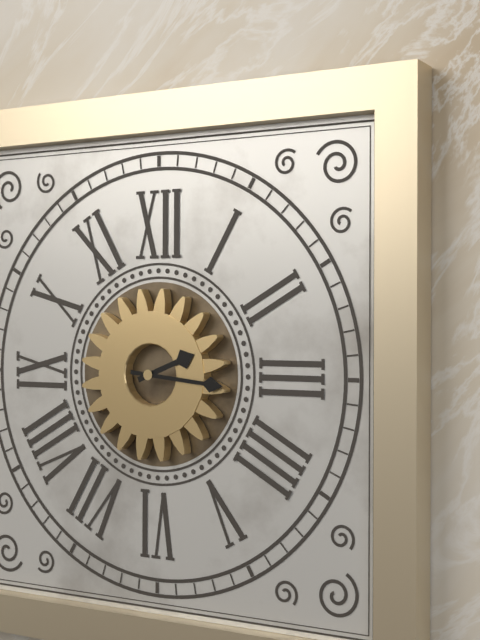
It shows {"hour": 2, "minute": 16}
